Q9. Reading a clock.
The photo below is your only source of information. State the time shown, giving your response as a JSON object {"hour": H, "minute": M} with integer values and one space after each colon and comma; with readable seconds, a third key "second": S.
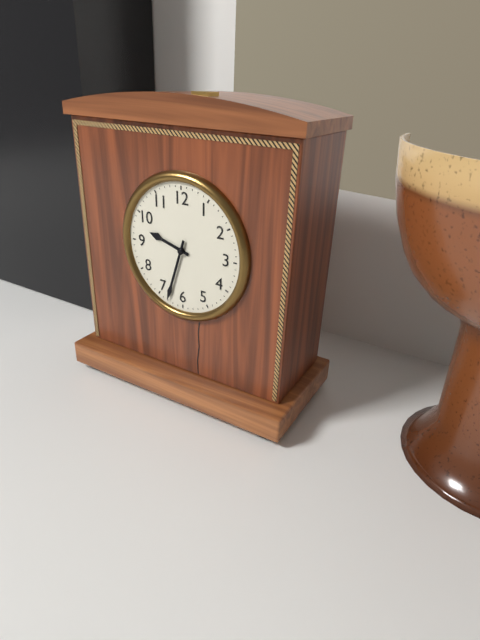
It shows {"hour": 9, "minute": 33}
